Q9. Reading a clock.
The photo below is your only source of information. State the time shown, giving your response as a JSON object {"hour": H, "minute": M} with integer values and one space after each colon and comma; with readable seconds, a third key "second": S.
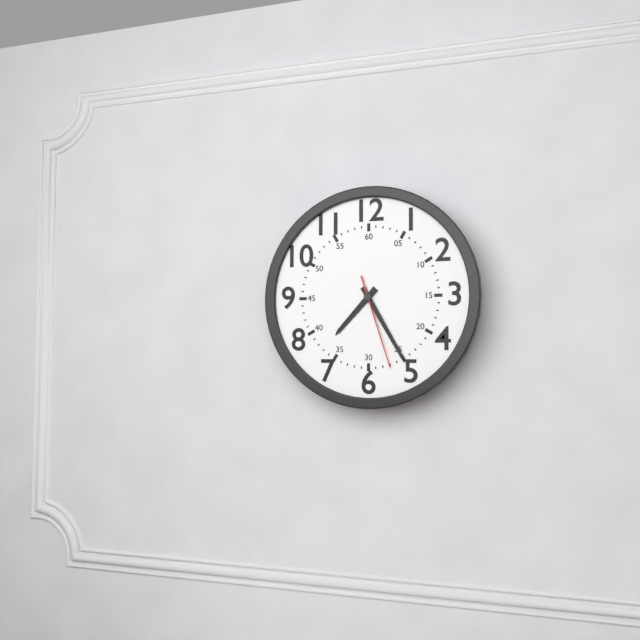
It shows {"hour": 7, "minute": 25, "second": 27}
